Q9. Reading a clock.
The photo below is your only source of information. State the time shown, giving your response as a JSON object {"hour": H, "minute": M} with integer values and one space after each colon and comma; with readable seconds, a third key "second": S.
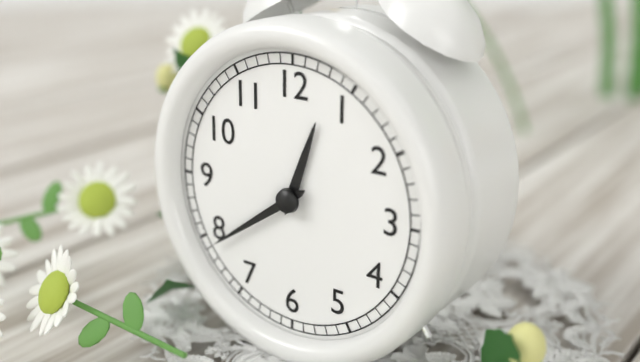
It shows {"hour": 12, "minute": 39}
